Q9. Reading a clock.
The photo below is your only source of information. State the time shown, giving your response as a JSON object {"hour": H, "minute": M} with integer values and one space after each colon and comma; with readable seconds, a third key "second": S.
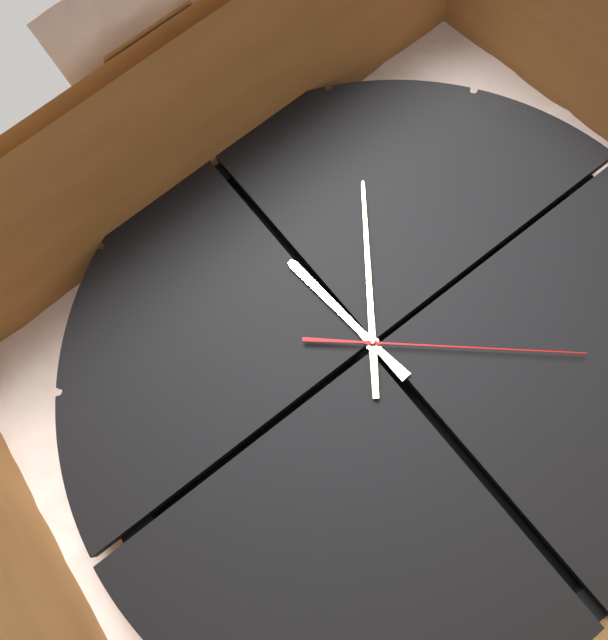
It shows {"hour": 8, "minute": 51, "second": 7}
